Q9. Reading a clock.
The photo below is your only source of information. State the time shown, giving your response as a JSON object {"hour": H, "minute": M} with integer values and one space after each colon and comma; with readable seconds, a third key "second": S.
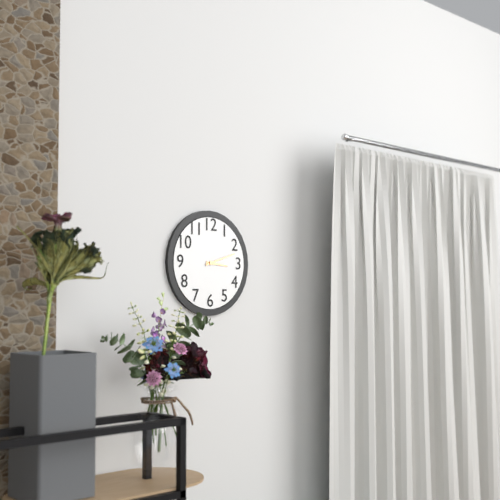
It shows {"hour": 3, "minute": 12}
